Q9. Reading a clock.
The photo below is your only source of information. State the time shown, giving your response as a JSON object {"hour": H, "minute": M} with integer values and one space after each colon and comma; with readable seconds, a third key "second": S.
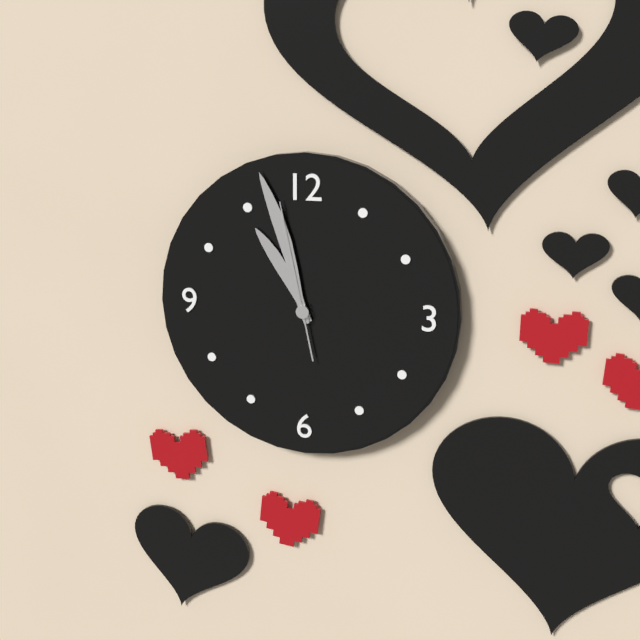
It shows {"hour": 10, "minute": 57, "second": 58}
